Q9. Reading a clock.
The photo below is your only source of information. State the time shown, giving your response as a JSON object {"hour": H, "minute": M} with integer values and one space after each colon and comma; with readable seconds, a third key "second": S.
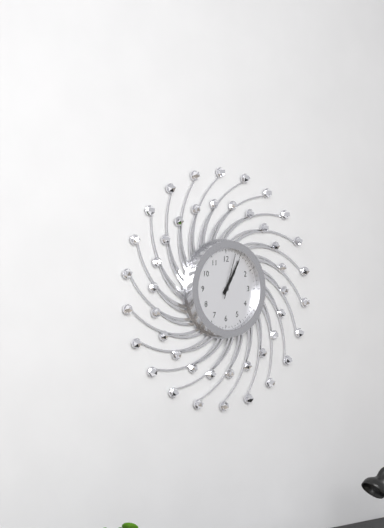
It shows {"hour": 1, "minute": 5}
